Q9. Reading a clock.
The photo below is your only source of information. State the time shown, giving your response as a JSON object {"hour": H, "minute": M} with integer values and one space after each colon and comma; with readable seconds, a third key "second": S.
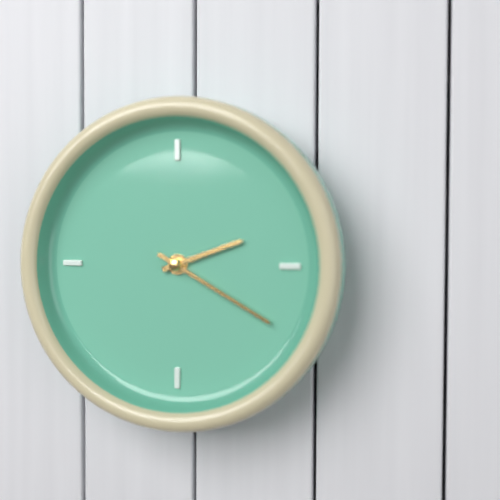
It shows {"hour": 2, "minute": 20}
